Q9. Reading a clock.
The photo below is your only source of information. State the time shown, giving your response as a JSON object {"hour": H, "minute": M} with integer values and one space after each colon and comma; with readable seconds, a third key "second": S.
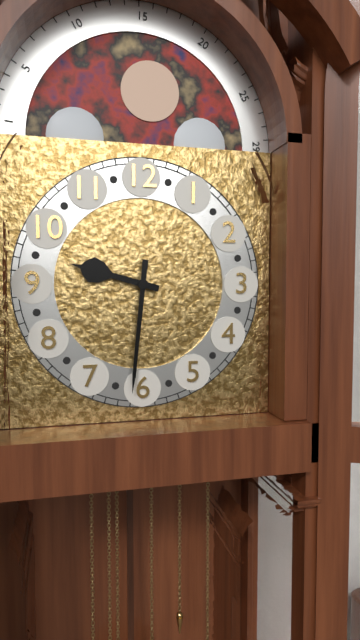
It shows {"hour": 9, "minute": 31}
